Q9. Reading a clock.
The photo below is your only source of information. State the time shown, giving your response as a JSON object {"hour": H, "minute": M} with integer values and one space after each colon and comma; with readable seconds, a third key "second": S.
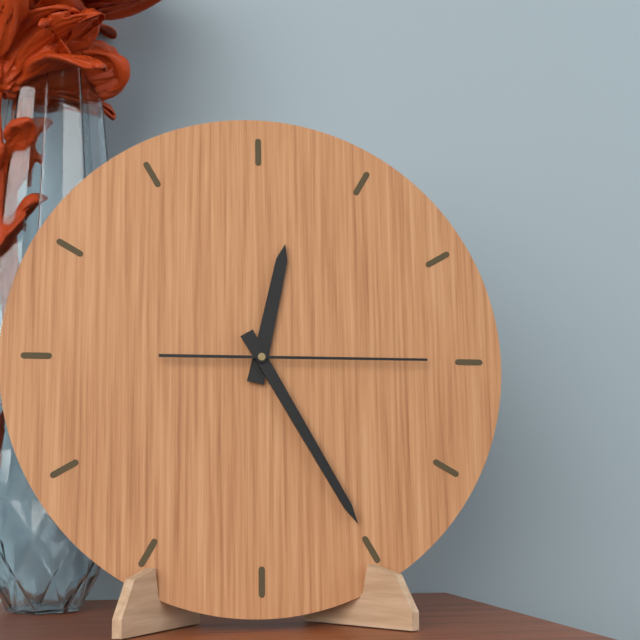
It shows {"hour": 12, "minute": 25, "second": 15}
